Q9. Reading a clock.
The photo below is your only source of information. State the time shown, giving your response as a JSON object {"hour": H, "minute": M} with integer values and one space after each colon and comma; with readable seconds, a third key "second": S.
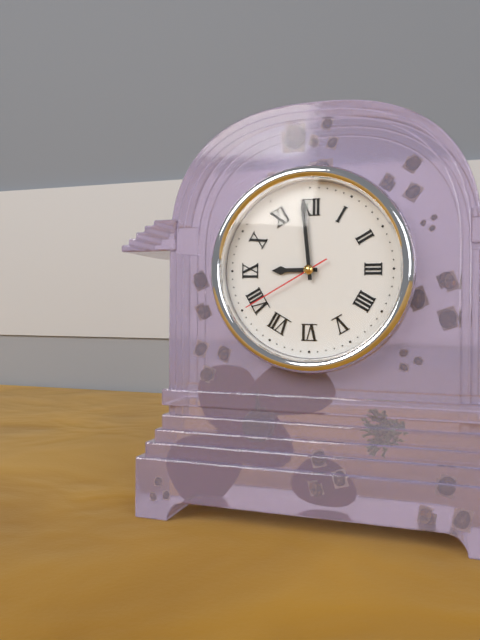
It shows {"hour": 8, "minute": 59, "second": 40}
